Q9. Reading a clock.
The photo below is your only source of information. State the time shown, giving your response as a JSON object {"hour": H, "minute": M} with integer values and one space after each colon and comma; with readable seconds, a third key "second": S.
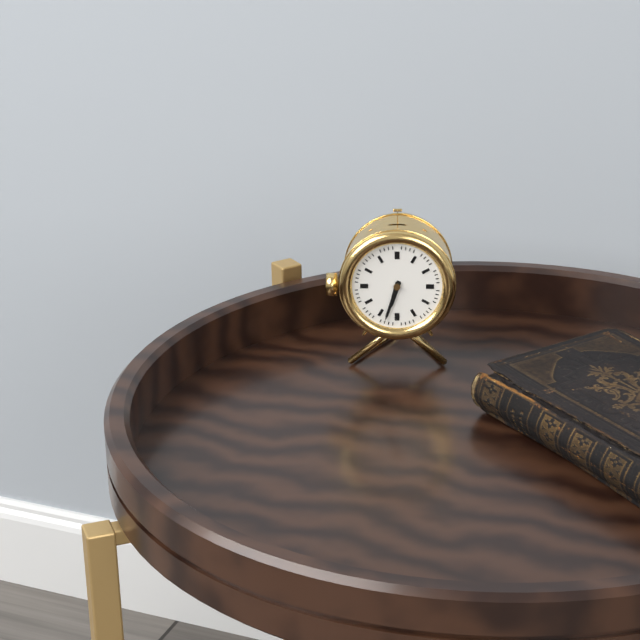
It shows {"hour": 6, "minute": 33}
